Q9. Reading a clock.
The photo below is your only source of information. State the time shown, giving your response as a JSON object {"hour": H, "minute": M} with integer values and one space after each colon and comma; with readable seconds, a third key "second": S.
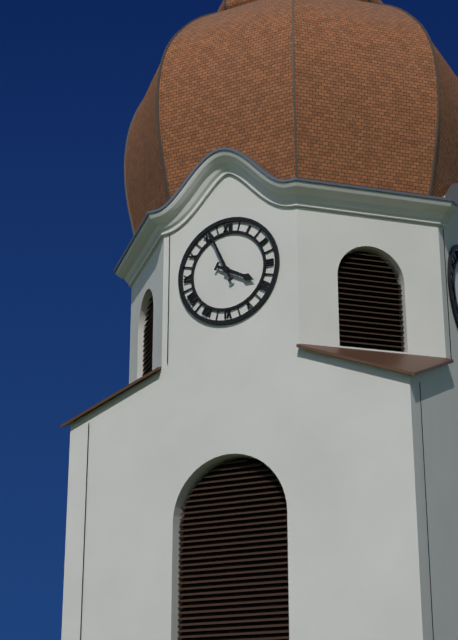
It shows {"hour": 3, "minute": 56}
